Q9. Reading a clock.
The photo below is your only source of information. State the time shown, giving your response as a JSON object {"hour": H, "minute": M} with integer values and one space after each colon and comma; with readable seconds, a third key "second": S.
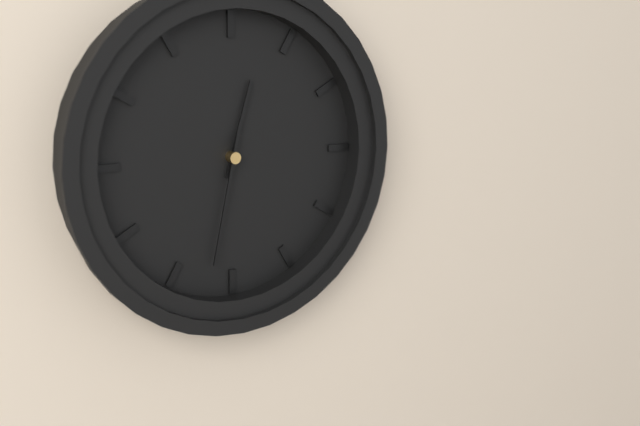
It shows {"hour": 12, "minute": 32}
